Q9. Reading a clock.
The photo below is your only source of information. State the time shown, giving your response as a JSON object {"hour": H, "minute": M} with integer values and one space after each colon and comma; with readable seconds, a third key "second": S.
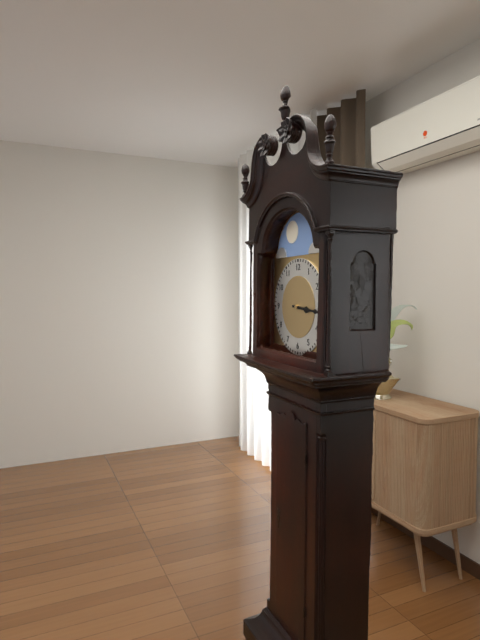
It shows {"hour": 3, "minute": 16}
